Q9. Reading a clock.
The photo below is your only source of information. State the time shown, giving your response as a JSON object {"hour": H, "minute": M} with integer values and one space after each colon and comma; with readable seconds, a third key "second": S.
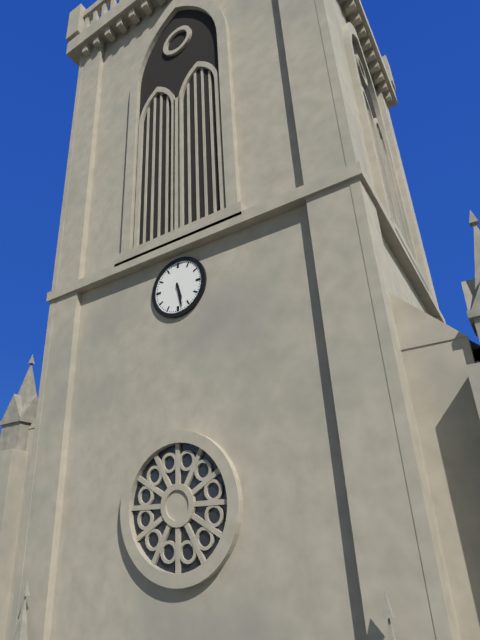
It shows {"hour": 5, "minute": 28}
